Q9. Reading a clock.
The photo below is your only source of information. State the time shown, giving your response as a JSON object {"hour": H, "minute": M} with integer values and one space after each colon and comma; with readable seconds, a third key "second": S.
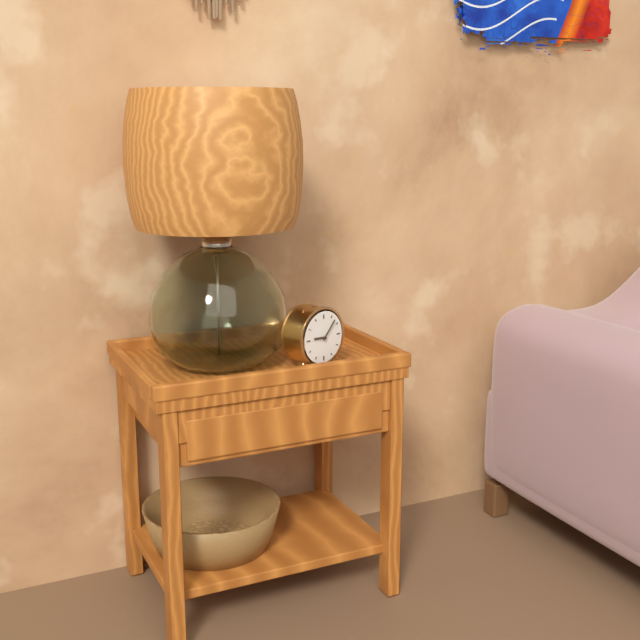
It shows {"hour": 9, "minute": 7}
